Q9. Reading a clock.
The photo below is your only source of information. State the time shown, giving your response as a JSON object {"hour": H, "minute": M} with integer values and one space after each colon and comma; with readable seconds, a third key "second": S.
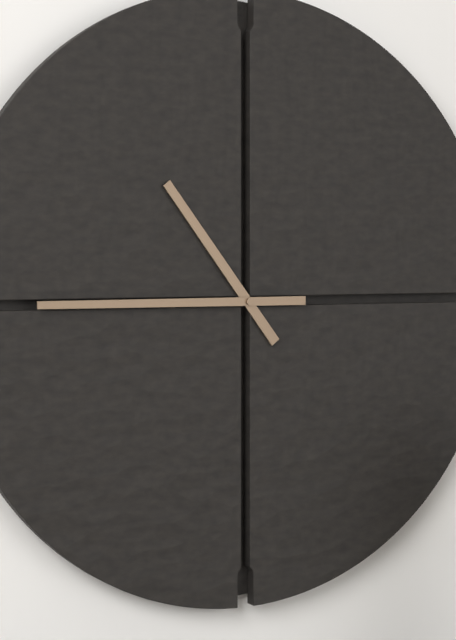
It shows {"hour": 10, "minute": 45}
